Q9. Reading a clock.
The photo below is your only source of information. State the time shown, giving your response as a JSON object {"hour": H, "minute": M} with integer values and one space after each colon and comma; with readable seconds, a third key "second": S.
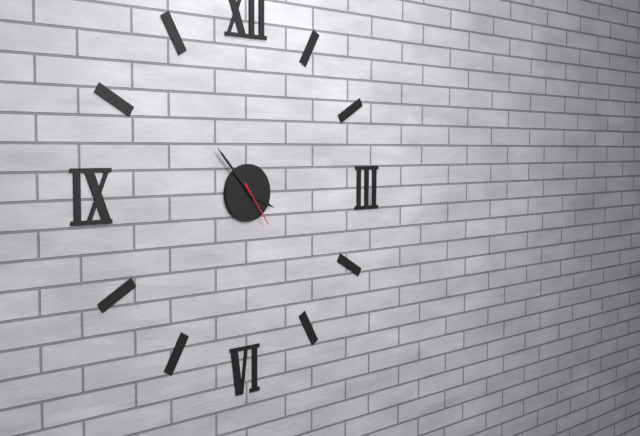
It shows {"hour": 3, "minute": 53}
